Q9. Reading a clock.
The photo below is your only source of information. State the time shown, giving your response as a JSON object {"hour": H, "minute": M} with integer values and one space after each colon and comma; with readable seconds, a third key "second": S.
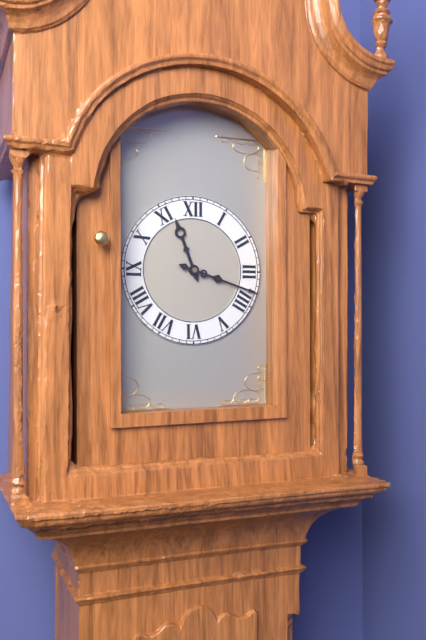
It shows {"hour": 11, "minute": 18}
